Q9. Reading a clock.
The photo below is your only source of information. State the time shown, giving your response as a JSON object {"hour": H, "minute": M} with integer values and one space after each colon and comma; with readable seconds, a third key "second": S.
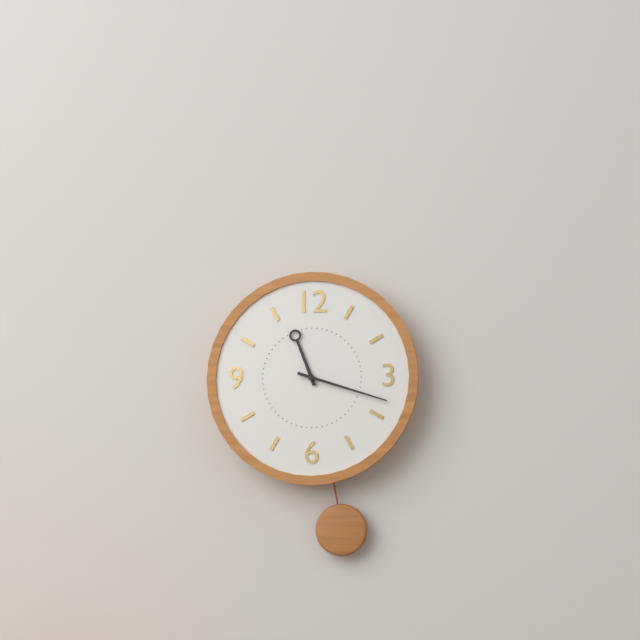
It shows {"hour": 11, "minute": 18}
